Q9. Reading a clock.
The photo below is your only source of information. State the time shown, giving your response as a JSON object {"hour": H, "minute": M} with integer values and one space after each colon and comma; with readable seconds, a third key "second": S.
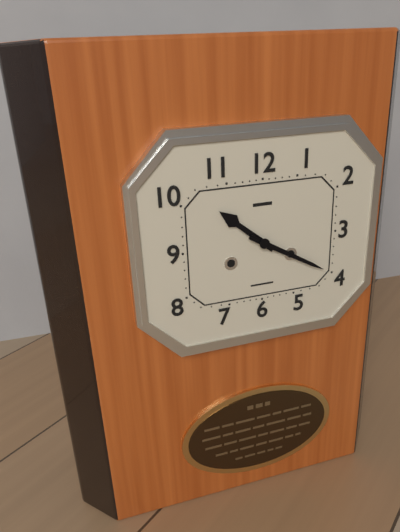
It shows {"hour": 10, "minute": 20}
